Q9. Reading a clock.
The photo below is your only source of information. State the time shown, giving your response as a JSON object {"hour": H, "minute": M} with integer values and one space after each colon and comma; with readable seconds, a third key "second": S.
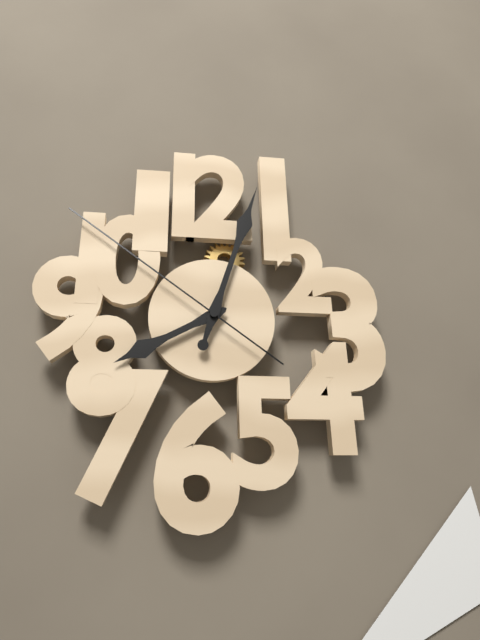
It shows {"hour": 8, "minute": 3, "second": 51}
